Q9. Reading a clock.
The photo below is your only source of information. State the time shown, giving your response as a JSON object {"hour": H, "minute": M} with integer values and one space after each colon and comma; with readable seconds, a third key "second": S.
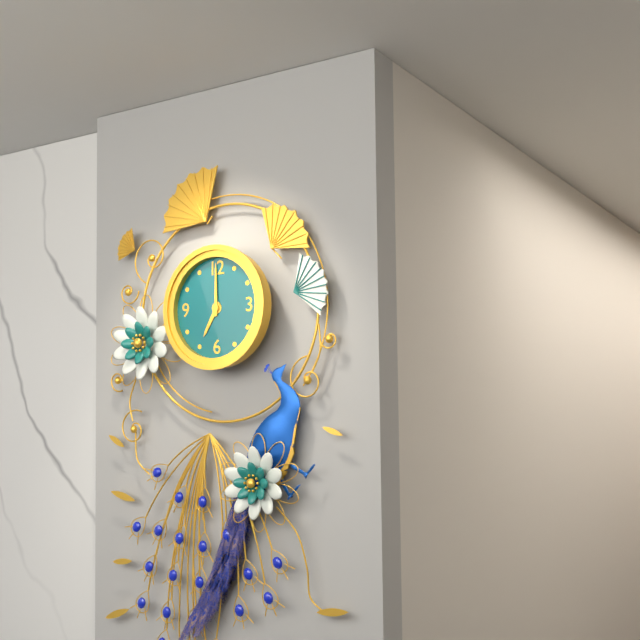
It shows {"hour": 7, "minute": 0}
